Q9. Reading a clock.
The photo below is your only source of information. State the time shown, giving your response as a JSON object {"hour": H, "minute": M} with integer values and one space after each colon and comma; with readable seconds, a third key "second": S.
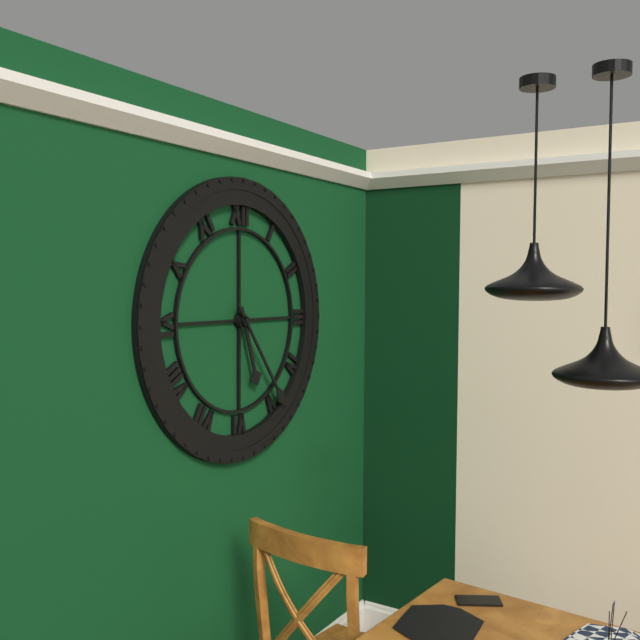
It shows {"hour": 5, "minute": 24}
